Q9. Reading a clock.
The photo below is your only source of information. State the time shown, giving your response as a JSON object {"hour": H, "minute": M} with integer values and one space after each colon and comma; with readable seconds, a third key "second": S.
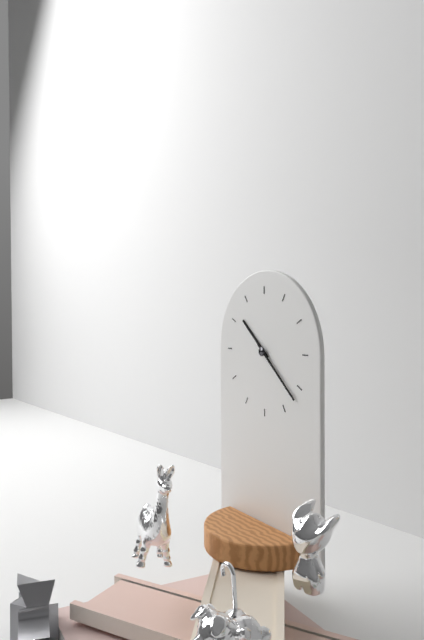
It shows {"hour": 10, "minute": 22}
